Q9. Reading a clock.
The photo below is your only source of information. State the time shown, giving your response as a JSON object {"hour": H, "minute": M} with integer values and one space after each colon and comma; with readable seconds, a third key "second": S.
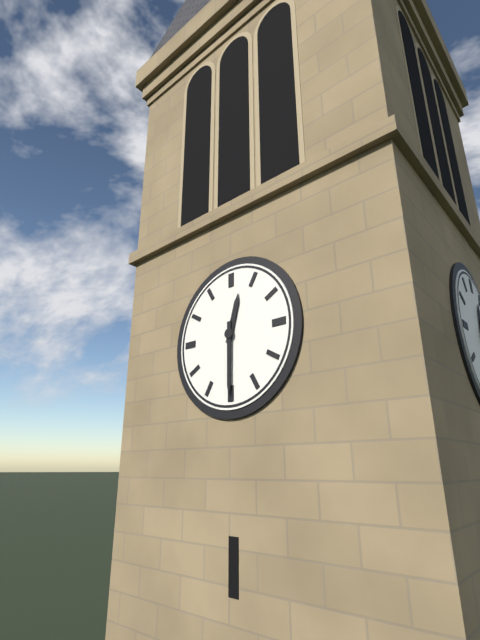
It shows {"hour": 12, "minute": 30}
